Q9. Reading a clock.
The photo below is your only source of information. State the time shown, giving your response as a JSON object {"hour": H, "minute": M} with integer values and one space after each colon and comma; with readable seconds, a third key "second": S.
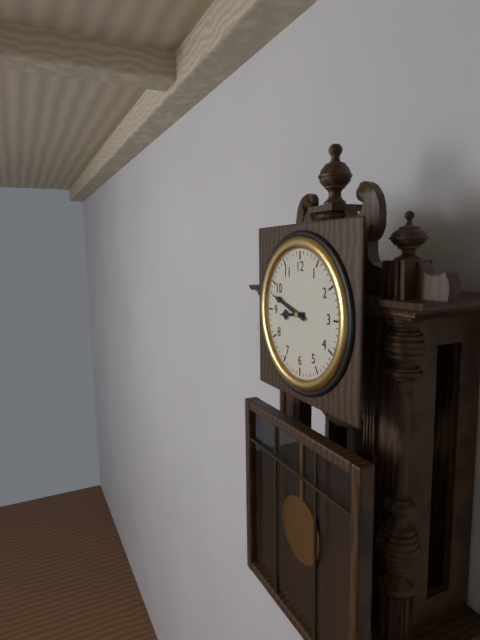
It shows {"hour": 8, "minute": 48}
